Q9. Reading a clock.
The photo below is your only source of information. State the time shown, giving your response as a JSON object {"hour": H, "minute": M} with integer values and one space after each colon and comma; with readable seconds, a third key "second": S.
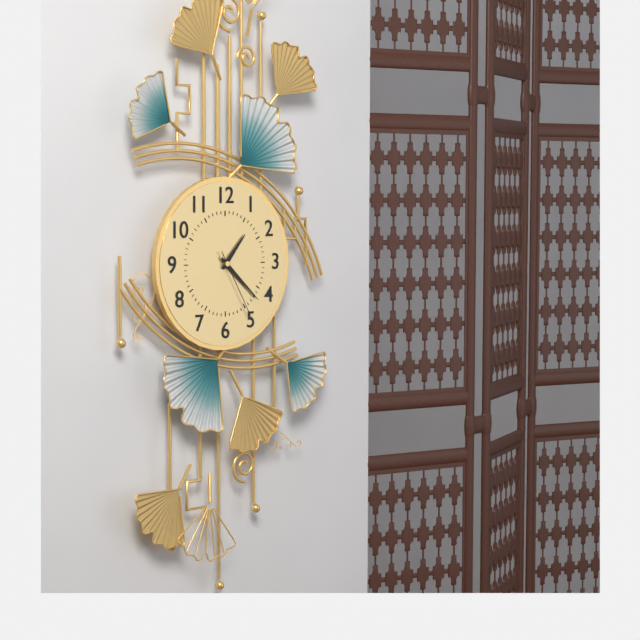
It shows {"hour": 1, "minute": 22, "second": 25}
